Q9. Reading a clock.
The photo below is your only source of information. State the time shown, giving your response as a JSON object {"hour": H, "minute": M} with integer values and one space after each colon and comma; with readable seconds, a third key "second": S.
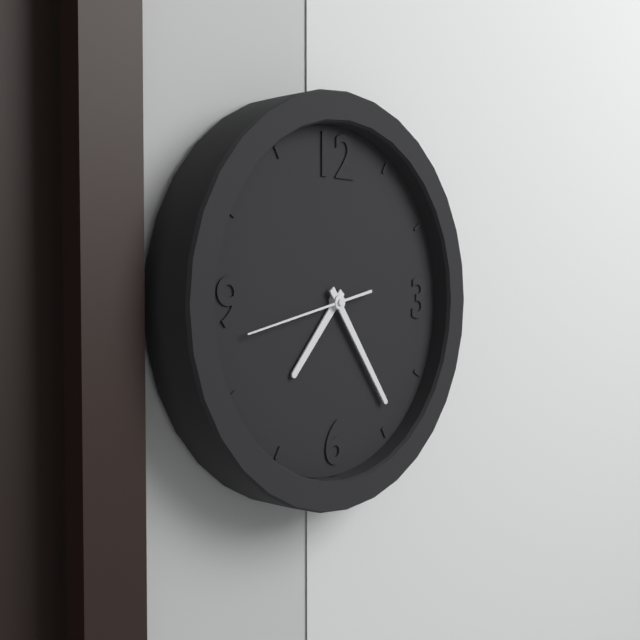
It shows {"hour": 7, "minute": 24, "second": 43}
